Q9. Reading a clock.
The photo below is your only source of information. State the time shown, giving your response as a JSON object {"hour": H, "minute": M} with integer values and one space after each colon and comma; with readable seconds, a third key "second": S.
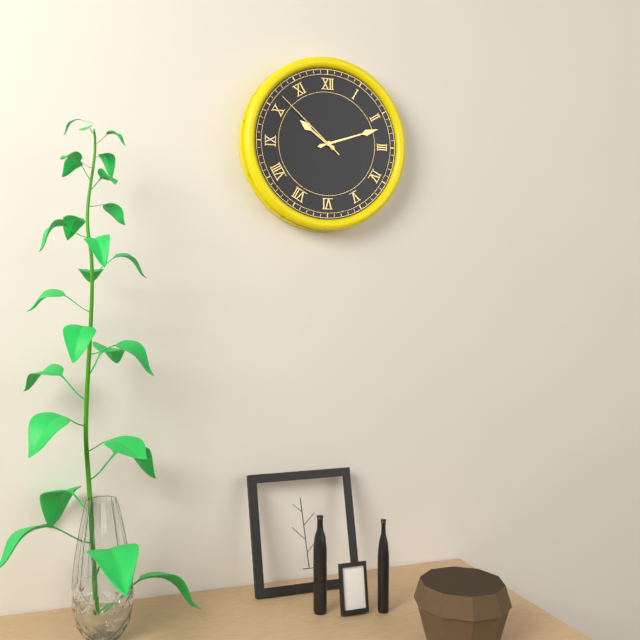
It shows {"hour": 10, "minute": 12, "second": 52}
